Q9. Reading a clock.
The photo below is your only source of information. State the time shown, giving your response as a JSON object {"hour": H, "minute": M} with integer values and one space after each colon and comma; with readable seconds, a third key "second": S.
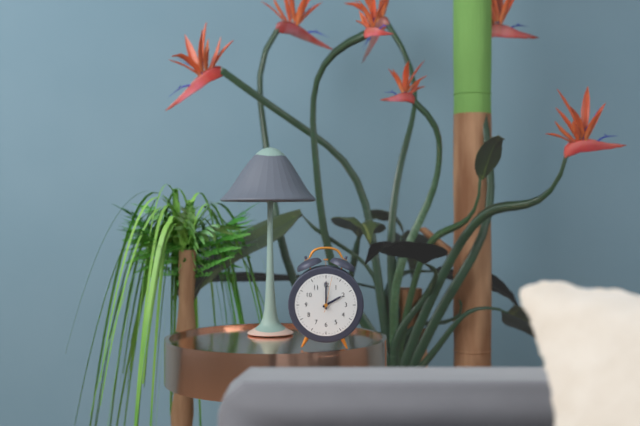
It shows {"hour": 2, "minute": 0}
